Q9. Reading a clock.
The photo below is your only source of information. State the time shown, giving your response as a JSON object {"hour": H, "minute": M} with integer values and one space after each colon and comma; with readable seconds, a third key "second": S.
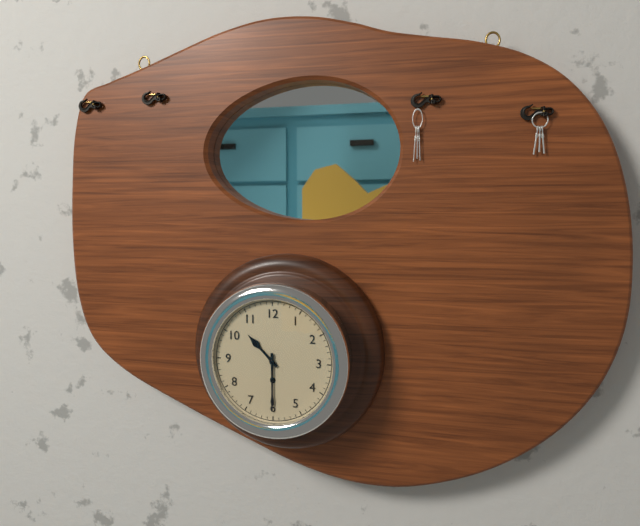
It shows {"hour": 10, "minute": 30}
